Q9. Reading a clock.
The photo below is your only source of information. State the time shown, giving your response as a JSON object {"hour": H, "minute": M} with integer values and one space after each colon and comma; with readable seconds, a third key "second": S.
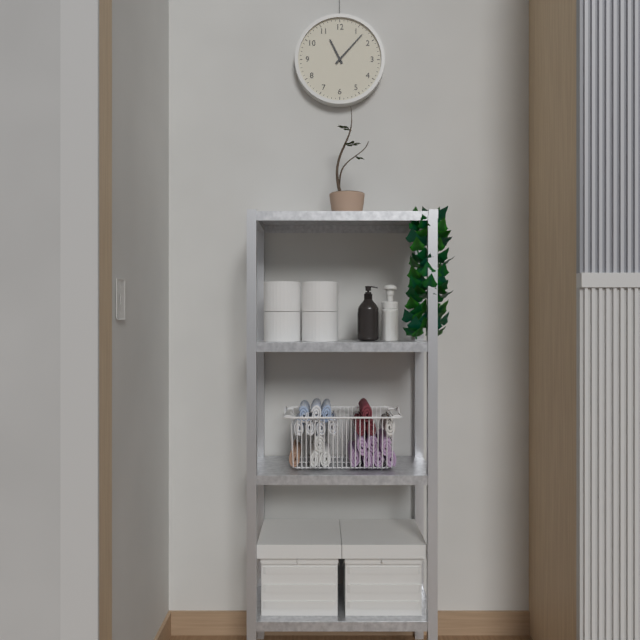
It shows {"hour": 11, "minute": 7}
